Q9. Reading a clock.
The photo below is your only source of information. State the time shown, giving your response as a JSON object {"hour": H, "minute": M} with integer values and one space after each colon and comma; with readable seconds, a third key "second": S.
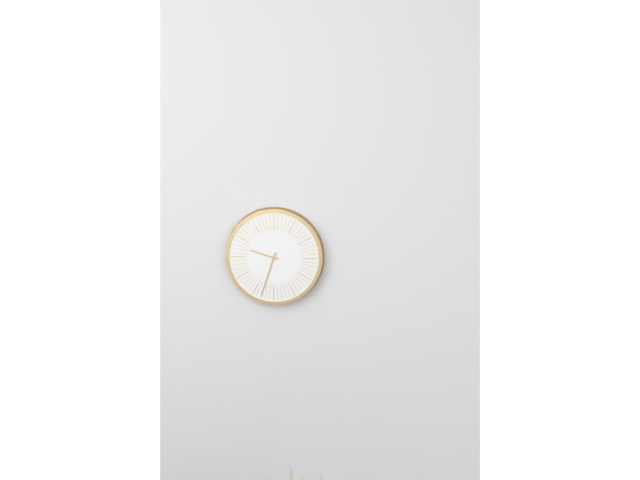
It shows {"hour": 9, "minute": 33}
